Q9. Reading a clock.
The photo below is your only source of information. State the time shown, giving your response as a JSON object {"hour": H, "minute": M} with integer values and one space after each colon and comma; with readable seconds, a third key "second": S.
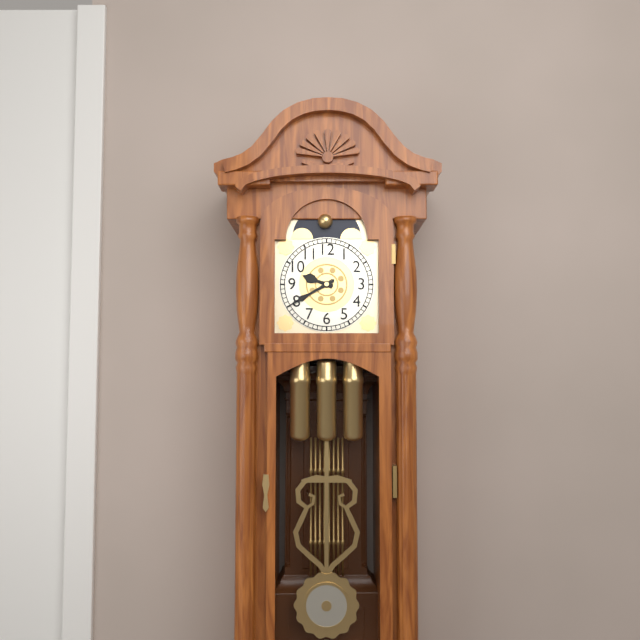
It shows {"hour": 9, "minute": 40}
